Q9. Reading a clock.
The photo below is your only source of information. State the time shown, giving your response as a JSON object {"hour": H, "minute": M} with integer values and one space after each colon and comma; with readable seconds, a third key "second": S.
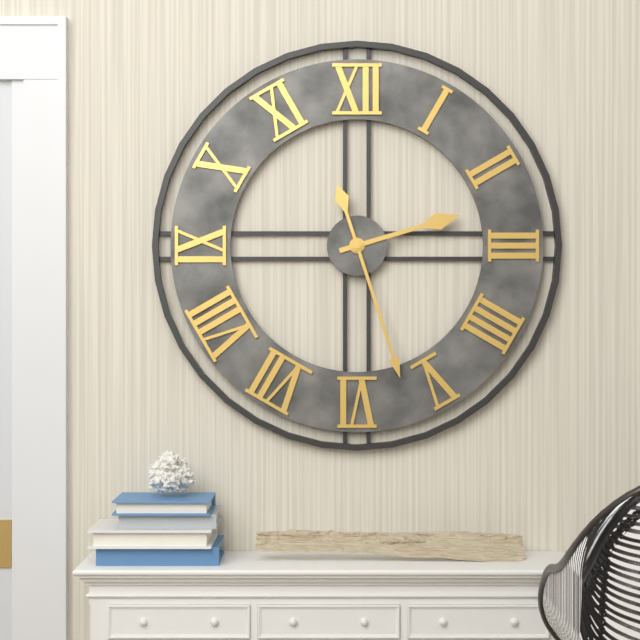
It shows {"hour": 2, "minute": 27}
